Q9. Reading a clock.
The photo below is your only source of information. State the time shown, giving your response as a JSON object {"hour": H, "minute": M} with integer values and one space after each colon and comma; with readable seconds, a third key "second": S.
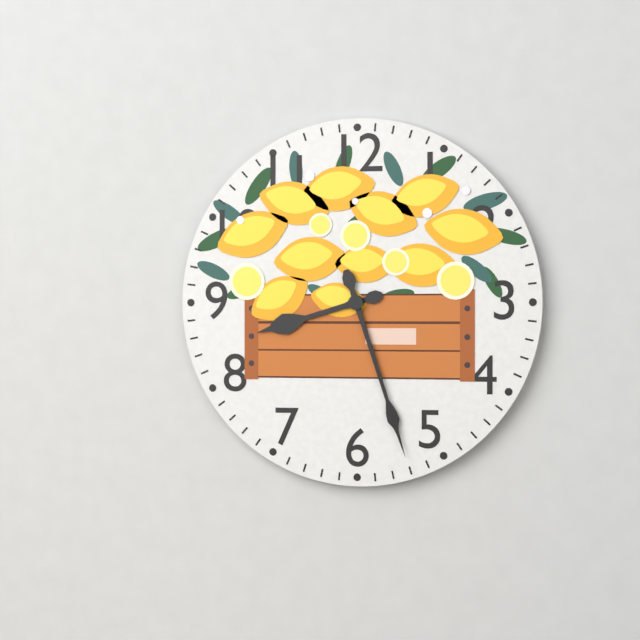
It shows {"hour": 8, "minute": 27}
